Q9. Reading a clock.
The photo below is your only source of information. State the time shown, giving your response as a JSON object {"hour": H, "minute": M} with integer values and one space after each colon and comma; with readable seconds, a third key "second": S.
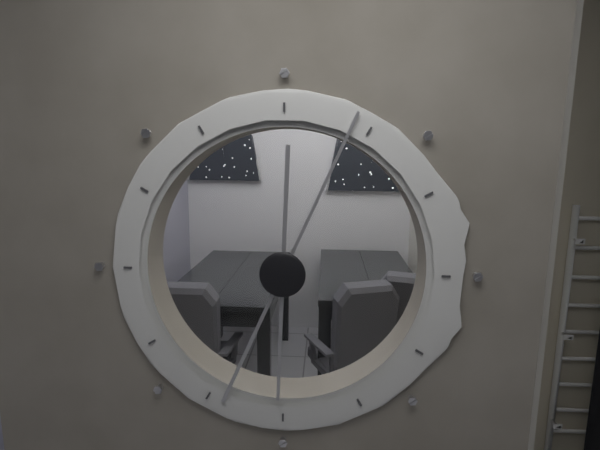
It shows {"hour": 6, "minute": 4}
